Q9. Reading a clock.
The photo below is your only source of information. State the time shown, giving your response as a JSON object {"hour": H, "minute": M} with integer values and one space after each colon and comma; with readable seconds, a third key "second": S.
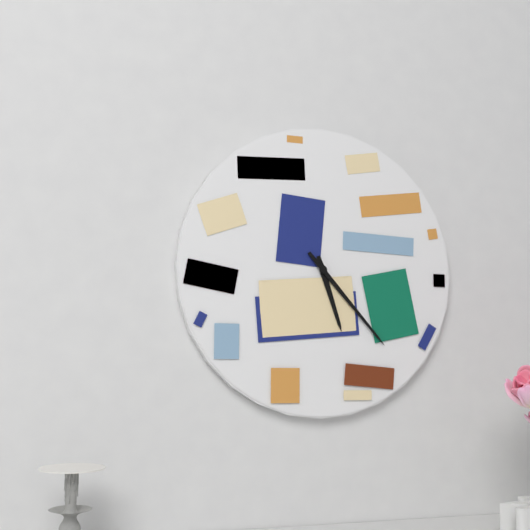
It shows {"hour": 5, "minute": 23}
